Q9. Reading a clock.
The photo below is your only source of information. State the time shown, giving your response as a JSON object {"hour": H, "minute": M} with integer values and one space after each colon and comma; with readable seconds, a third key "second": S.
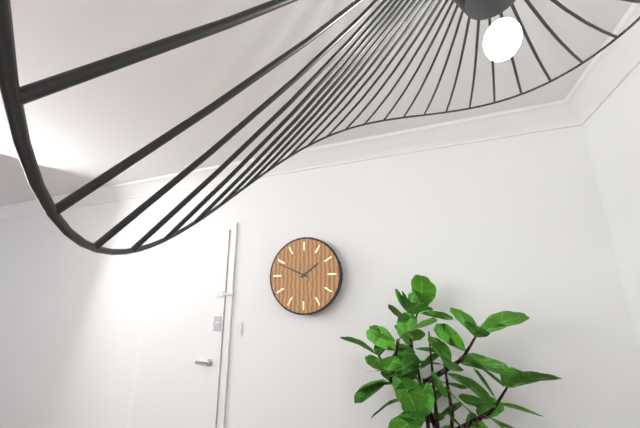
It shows {"hour": 1, "minute": 49}
